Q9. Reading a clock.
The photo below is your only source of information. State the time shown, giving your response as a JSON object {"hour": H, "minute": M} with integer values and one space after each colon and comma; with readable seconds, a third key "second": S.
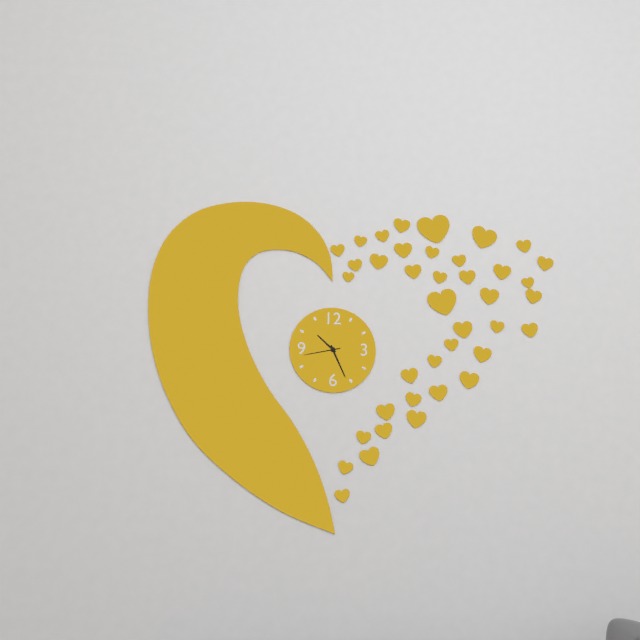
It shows {"hour": 10, "minute": 26}
